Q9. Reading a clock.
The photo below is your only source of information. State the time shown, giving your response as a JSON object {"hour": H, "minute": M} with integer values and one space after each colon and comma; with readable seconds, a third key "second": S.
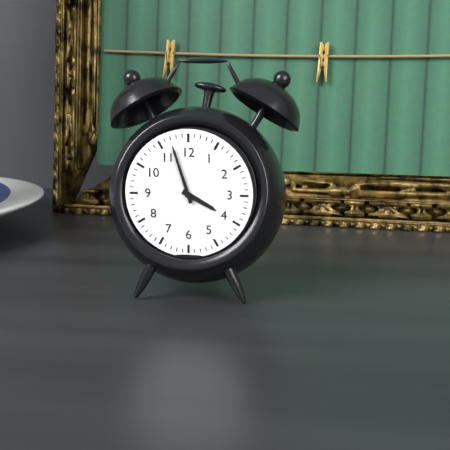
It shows {"hour": 3, "minute": 57}
